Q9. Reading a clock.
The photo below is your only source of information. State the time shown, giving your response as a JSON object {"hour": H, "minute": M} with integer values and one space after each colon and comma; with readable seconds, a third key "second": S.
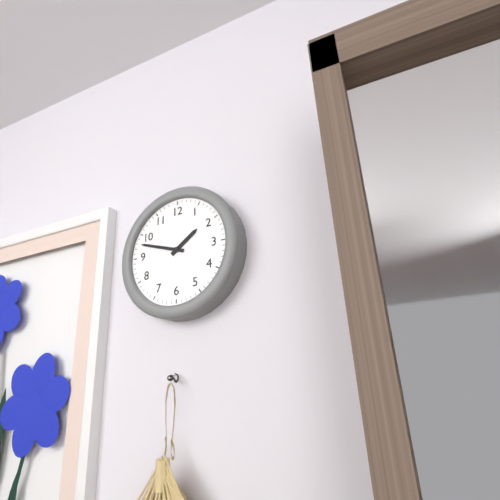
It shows {"hour": 1, "minute": 48}
